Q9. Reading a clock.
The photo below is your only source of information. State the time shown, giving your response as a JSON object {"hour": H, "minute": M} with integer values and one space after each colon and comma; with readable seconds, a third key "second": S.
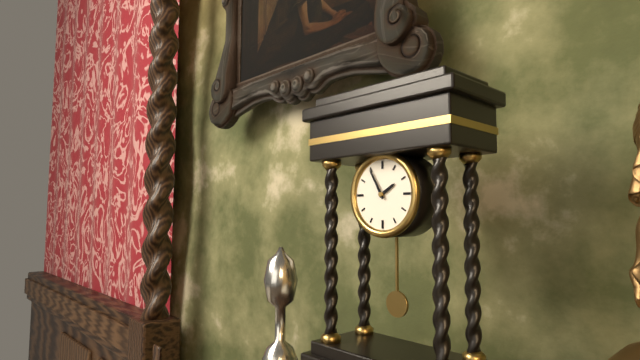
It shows {"hour": 1, "minute": 55}
